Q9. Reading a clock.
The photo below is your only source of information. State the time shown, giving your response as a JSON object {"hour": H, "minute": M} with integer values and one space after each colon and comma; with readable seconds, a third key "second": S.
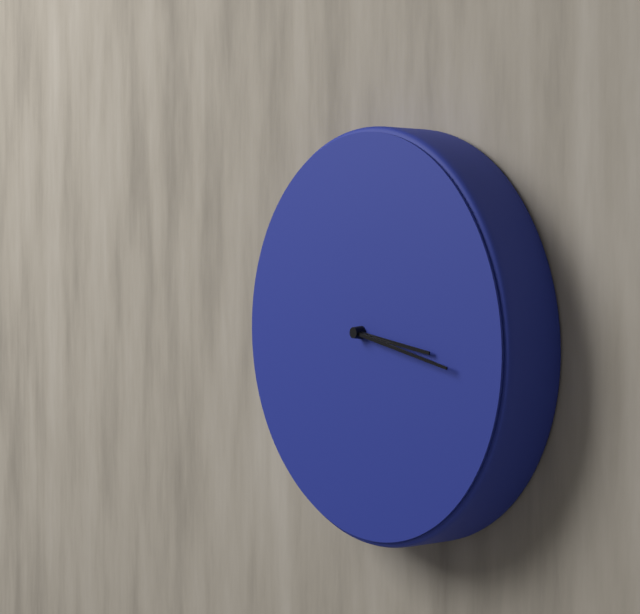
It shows {"hour": 3, "minute": 17}
